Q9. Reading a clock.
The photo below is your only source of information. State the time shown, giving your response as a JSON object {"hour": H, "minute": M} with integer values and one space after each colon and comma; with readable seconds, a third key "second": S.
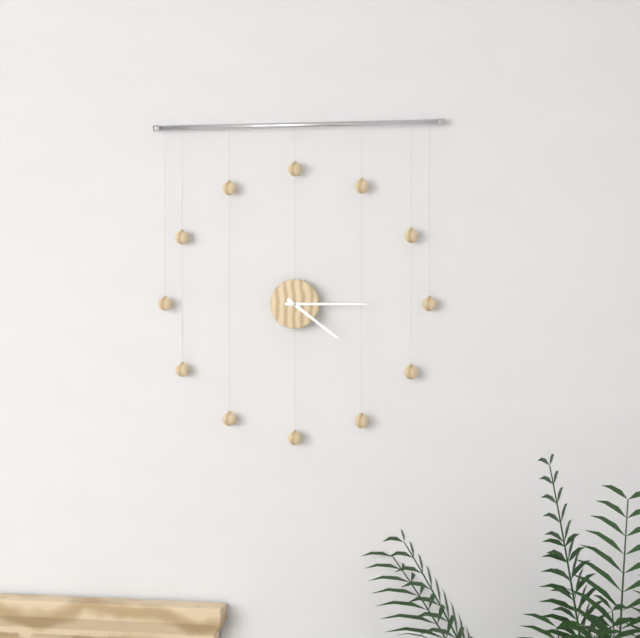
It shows {"hour": 4, "minute": 15}
